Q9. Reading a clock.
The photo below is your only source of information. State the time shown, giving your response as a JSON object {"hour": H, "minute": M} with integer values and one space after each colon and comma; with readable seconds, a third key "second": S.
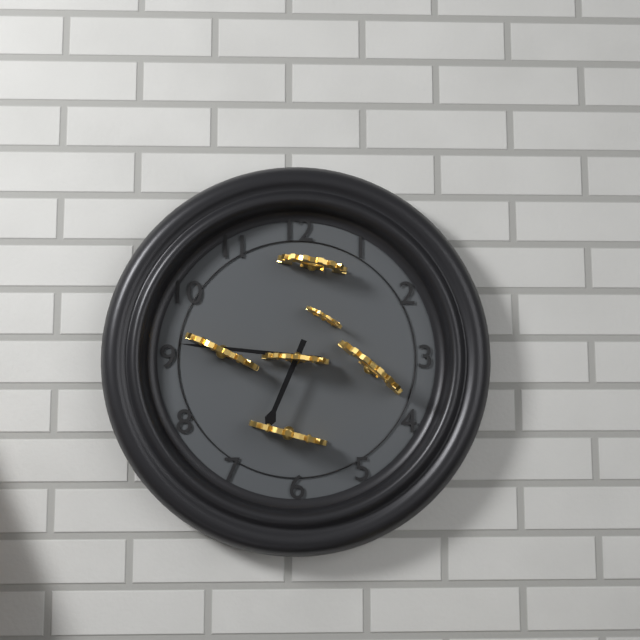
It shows {"hour": 6, "minute": 46}
